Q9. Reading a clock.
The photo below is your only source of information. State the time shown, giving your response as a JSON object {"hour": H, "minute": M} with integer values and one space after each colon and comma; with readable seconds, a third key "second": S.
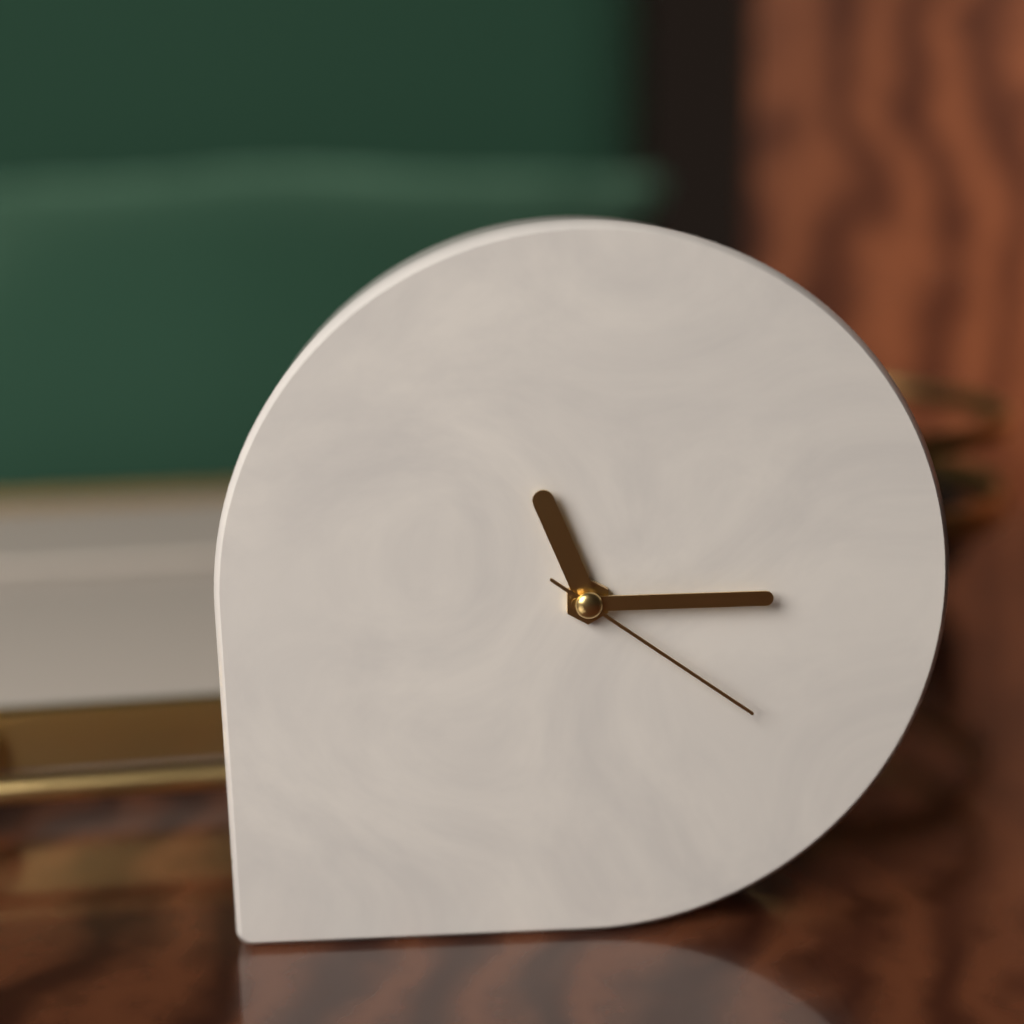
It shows {"hour": 11, "minute": 15, "second": 21}
